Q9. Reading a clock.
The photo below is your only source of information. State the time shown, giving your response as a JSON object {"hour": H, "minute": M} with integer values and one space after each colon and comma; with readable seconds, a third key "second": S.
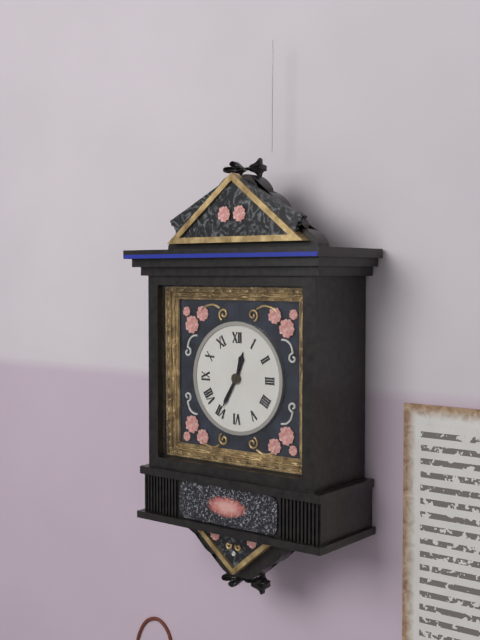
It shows {"hour": 12, "minute": 35}
